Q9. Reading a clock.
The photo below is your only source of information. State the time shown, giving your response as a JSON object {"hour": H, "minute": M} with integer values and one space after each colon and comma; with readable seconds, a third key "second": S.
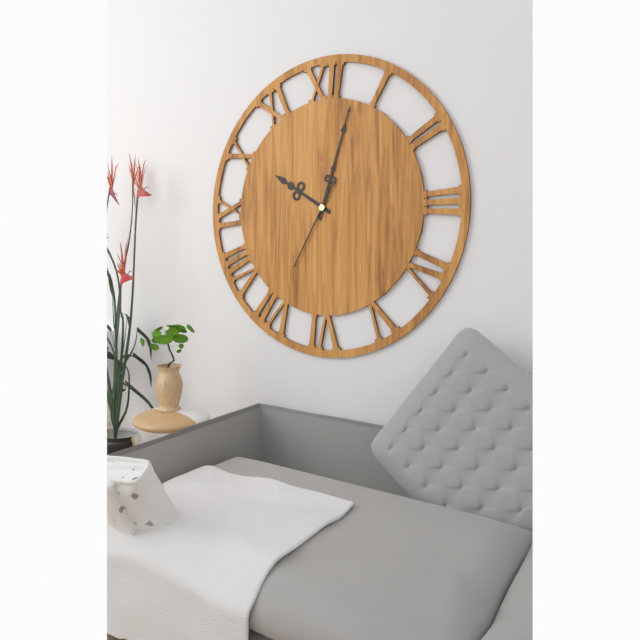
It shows {"hour": 10, "minute": 3, "second": 35}
